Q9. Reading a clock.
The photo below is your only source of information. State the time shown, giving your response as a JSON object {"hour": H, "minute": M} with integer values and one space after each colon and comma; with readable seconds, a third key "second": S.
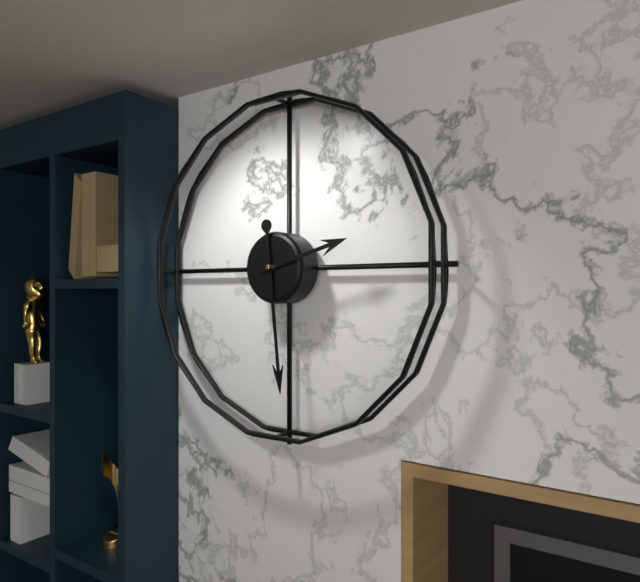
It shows {"hour": 2, "minute": 29}
